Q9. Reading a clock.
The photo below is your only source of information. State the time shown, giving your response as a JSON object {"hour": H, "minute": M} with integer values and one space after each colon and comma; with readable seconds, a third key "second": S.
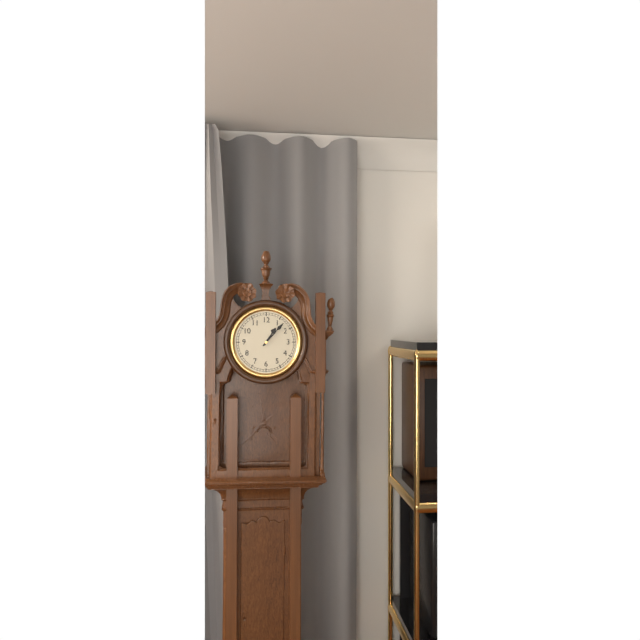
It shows {"hour": 1, "minute": 7}
